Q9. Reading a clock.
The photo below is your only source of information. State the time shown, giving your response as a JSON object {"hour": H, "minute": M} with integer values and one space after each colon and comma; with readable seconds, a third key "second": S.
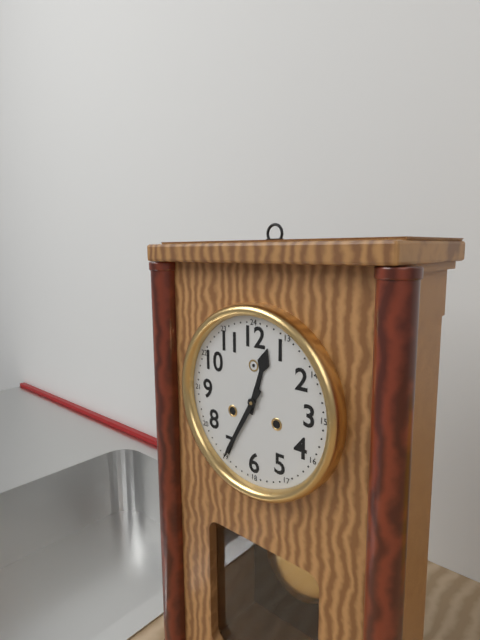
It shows {"hour": 12, "minute": 35}
